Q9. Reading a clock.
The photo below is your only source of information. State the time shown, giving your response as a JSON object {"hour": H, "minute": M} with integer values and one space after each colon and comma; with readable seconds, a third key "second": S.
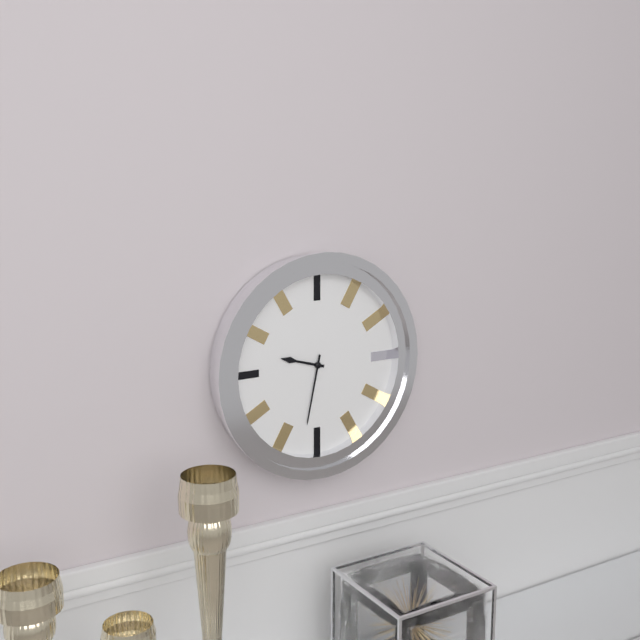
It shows {"hour": 9, "minute": 32}
